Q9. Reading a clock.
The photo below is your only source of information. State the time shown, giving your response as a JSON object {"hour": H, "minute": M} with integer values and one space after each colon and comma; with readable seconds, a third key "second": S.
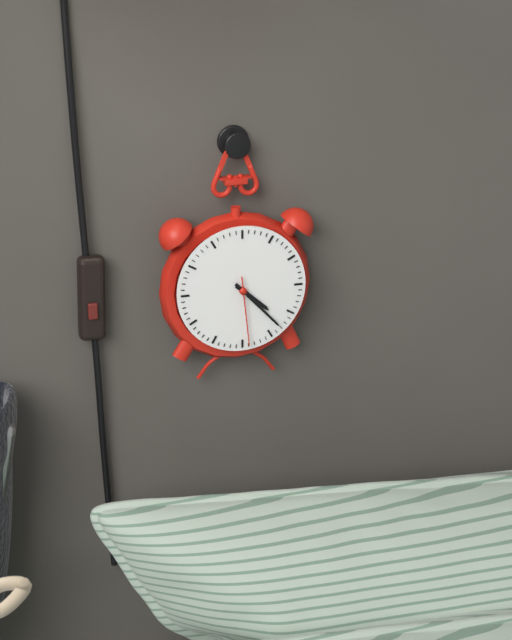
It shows {"hour": 4, "minute": 23, "second": 29}
